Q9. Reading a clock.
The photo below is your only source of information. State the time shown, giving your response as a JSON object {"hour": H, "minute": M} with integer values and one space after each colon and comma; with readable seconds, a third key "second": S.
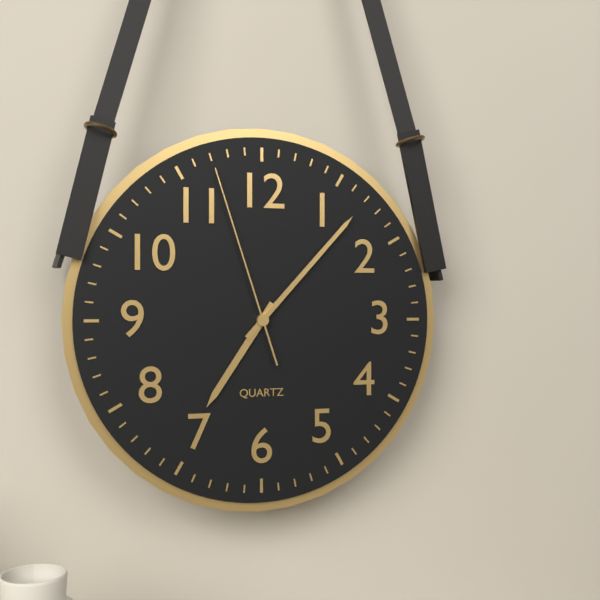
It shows {"hour": 7, "minute": 7, "second": 57}
